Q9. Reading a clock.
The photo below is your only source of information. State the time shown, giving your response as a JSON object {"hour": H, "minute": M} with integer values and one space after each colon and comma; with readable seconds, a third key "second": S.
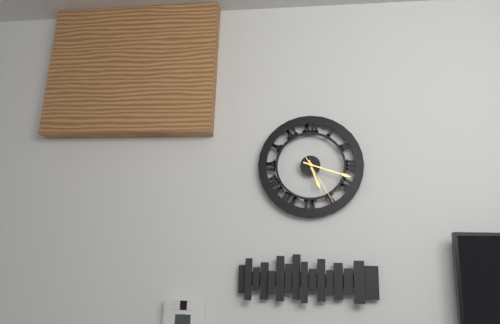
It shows {"hour": 5, "minute": 18, "second": 25}
